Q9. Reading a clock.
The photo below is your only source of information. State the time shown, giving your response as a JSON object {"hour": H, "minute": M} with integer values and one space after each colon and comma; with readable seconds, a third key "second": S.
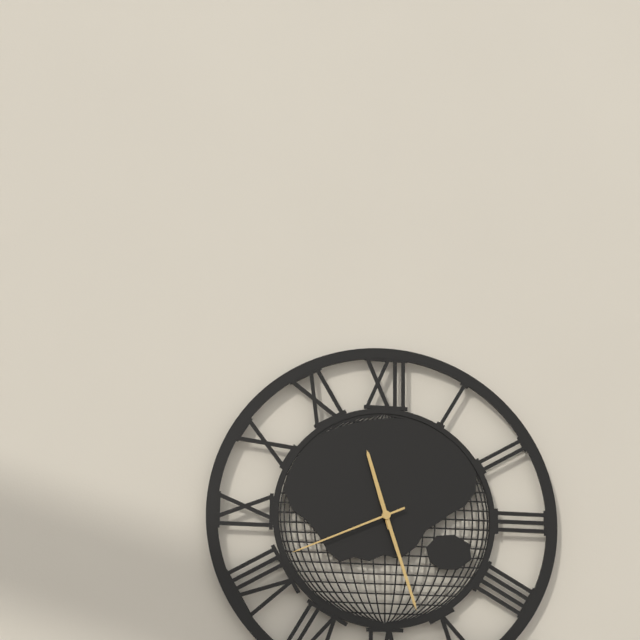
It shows {"hour": 11, "minute": 27, "second": 41}
